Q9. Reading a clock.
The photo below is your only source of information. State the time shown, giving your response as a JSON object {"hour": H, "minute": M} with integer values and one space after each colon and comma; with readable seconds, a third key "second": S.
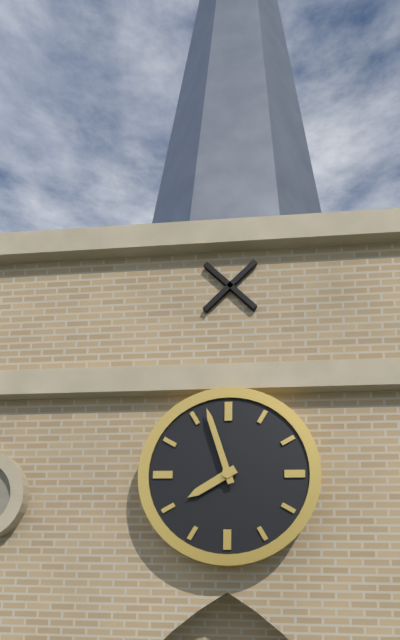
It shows {"hour": 7, "minute": 57}
